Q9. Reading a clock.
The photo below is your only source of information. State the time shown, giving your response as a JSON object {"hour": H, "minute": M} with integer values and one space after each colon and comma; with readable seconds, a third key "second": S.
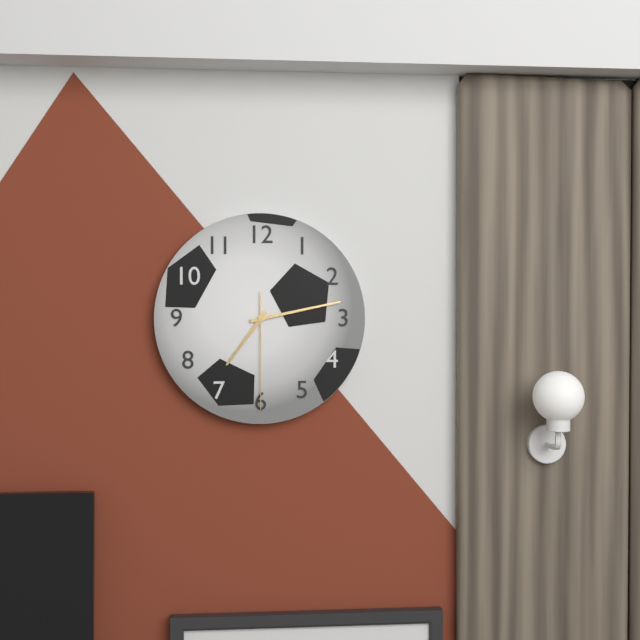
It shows {"hour": 7, "minute": 13, "second": 30}
